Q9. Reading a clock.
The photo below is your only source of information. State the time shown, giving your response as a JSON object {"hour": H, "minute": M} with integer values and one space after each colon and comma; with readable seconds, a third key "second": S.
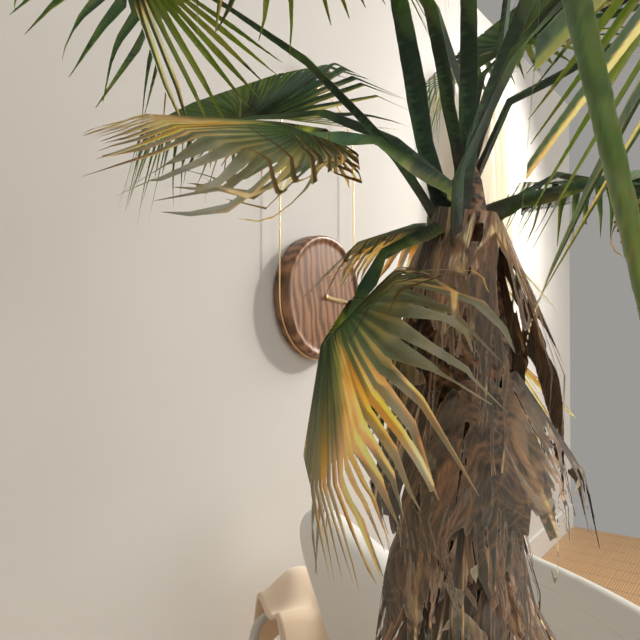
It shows {"hour": 3, "minute": 16}
